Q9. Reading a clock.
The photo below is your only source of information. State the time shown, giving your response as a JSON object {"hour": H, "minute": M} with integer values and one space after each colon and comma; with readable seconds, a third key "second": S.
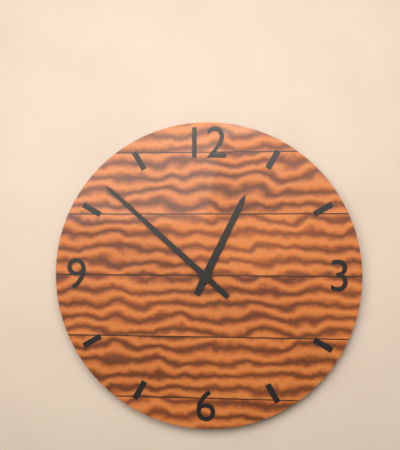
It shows {"hour": 12, "minute": 52}
